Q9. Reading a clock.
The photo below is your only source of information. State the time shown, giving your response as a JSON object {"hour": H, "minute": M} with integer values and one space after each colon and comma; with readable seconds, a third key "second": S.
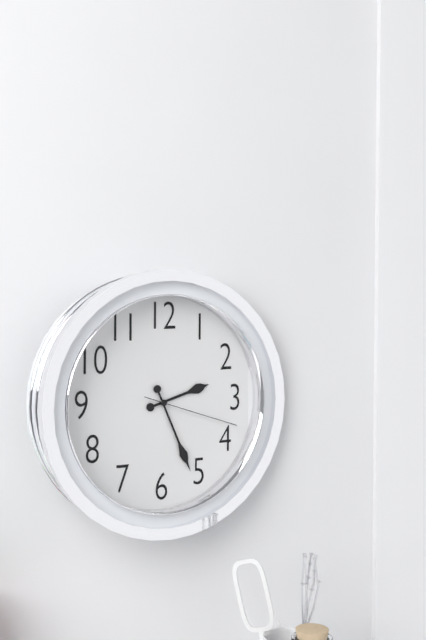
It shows {"hour": 2, "minute": 26, "second": 18}
